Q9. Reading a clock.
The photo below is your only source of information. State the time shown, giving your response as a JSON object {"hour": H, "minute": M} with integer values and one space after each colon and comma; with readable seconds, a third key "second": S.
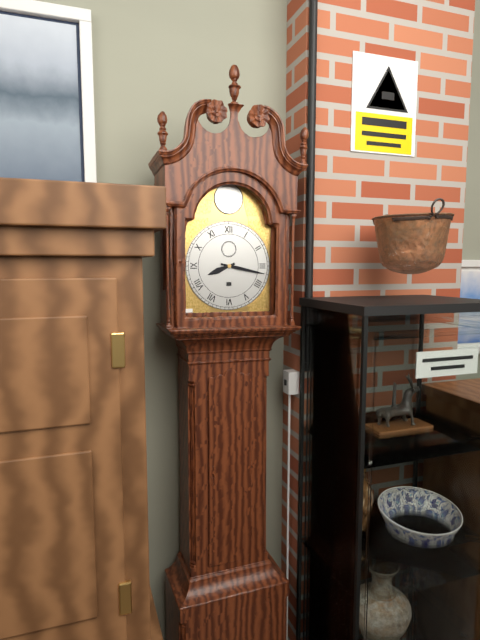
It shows {"hour": 8, "minute": 17}
